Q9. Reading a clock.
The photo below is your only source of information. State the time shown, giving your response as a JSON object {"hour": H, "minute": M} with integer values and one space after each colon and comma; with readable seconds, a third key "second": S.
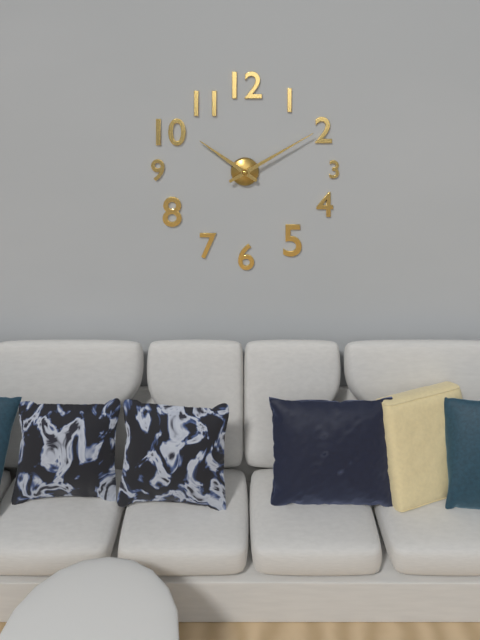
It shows {"hour": 10, "minute": 10}
